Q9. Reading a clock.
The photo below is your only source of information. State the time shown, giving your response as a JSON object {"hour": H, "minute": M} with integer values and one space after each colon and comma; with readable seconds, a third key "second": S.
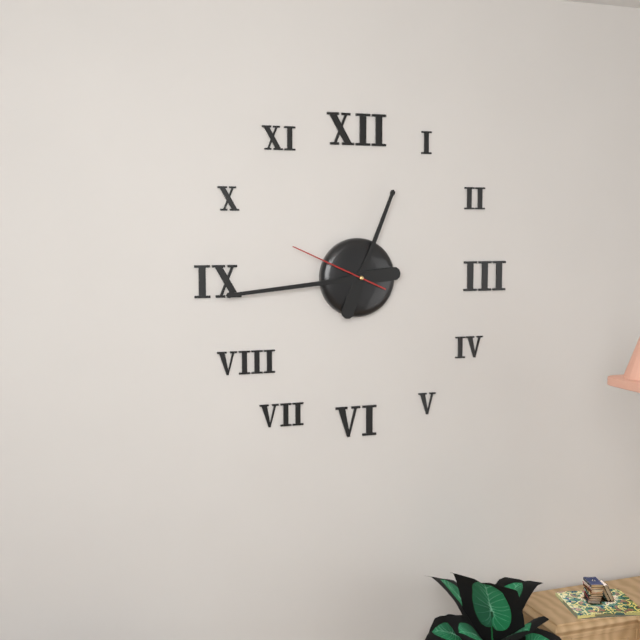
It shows {"hour": 12, "minute": 44, "second": 49}
